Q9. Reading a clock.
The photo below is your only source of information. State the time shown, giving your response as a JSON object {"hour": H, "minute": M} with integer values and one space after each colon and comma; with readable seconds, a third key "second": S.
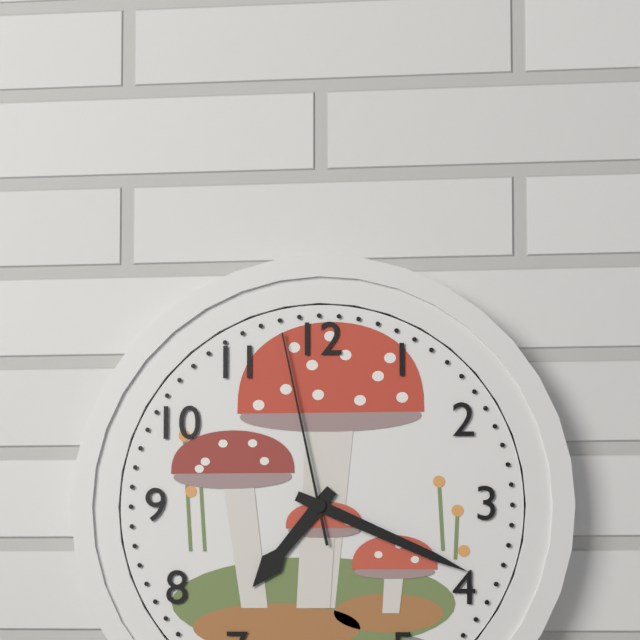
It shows {"hour": 7, "minute": 19, "second": 58}
